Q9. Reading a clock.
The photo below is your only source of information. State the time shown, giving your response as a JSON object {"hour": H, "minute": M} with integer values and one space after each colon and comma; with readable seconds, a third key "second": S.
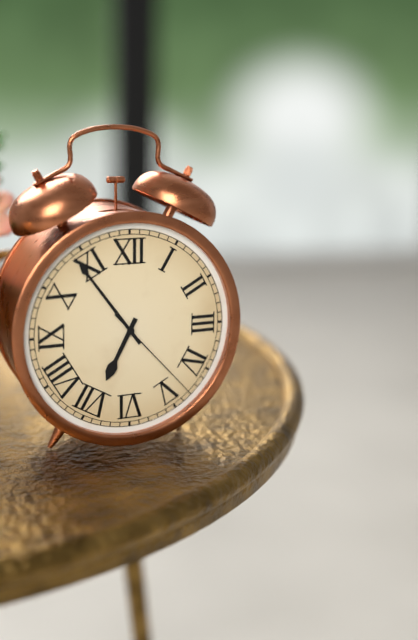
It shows {"hour": 6, "minute": 54, "second": 23}
